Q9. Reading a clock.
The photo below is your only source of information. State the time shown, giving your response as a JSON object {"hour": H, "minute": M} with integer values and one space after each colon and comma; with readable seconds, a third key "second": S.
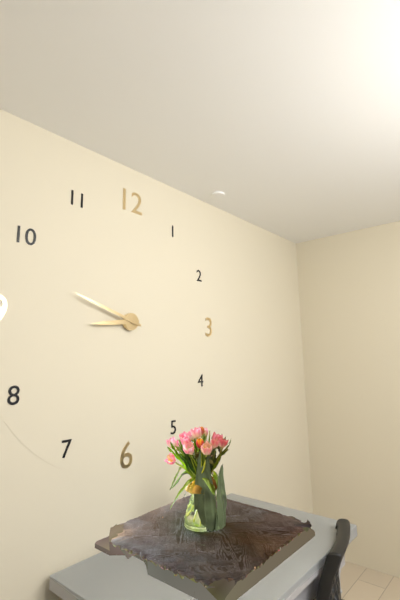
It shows {"hour": 8, "minute": 48}
